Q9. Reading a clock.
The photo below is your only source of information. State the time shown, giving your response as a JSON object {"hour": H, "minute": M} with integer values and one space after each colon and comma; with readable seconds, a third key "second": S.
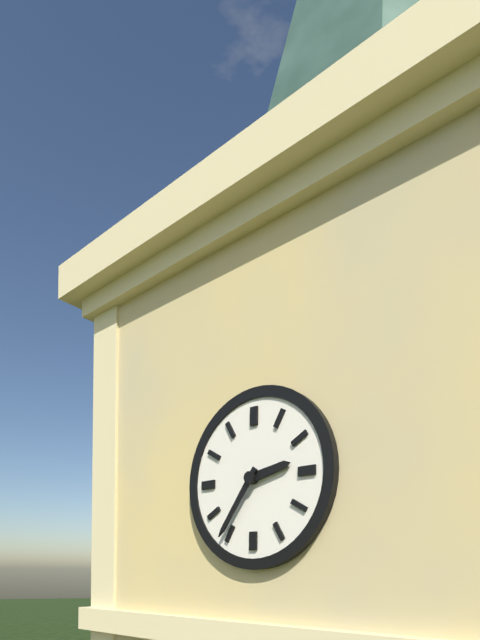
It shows {"hour": 2, "minute": 36}
